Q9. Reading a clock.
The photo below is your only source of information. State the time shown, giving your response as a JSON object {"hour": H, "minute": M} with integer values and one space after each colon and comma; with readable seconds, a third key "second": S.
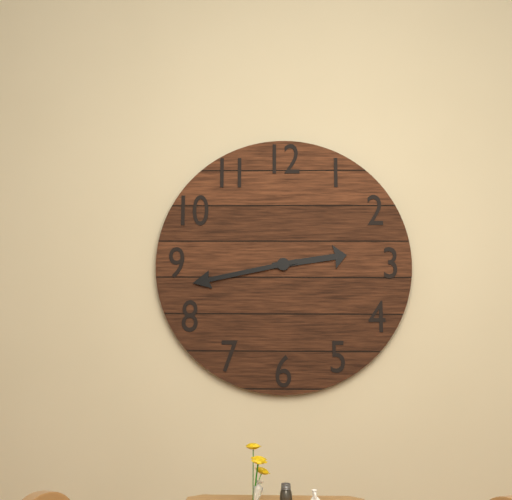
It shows {"hour": 2, "minute": 43}
